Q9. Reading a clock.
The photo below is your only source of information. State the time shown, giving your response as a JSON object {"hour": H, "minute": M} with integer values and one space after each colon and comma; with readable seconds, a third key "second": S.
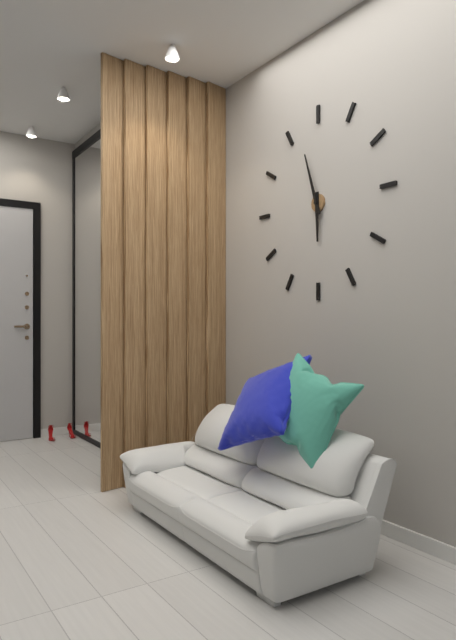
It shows {"hour": 5, "minute": 57}
